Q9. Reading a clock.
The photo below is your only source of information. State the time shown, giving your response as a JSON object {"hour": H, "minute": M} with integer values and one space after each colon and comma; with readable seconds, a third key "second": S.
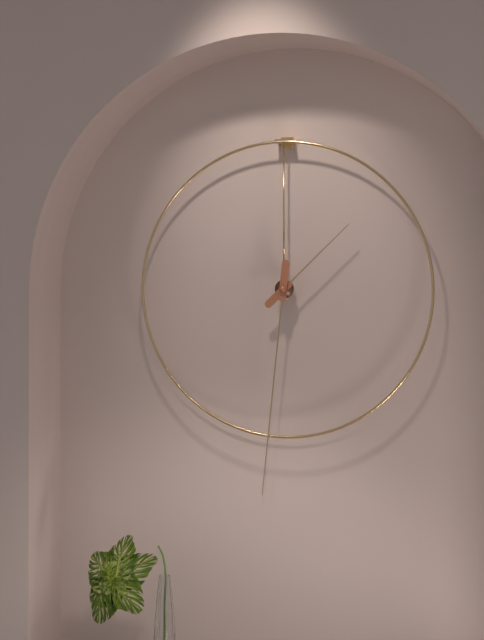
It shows {"hour": 1, "minute": 31}
